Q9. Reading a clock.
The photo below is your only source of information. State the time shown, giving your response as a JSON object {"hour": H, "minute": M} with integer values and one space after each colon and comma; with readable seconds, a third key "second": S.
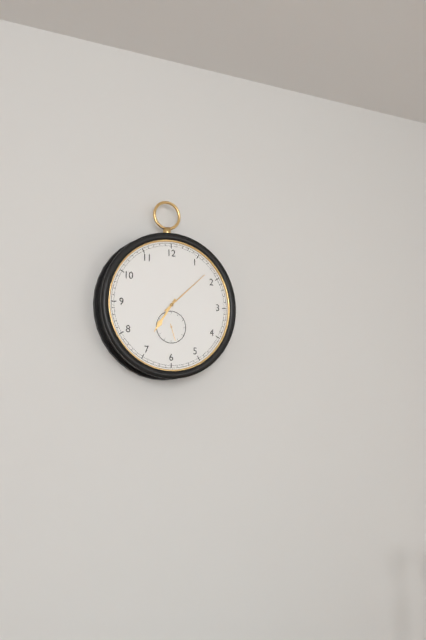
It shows {"hour": 7, "minute": 8}
